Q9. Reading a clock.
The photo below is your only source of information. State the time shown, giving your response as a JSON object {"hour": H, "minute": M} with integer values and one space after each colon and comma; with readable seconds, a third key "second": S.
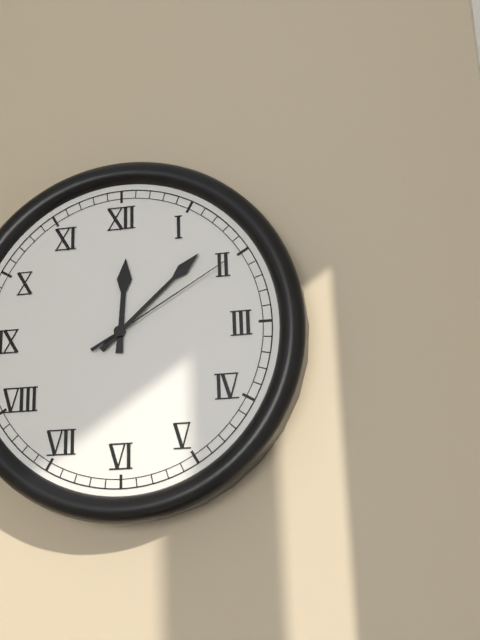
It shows {"hour": 12, "minute": 8, "second": 10}
